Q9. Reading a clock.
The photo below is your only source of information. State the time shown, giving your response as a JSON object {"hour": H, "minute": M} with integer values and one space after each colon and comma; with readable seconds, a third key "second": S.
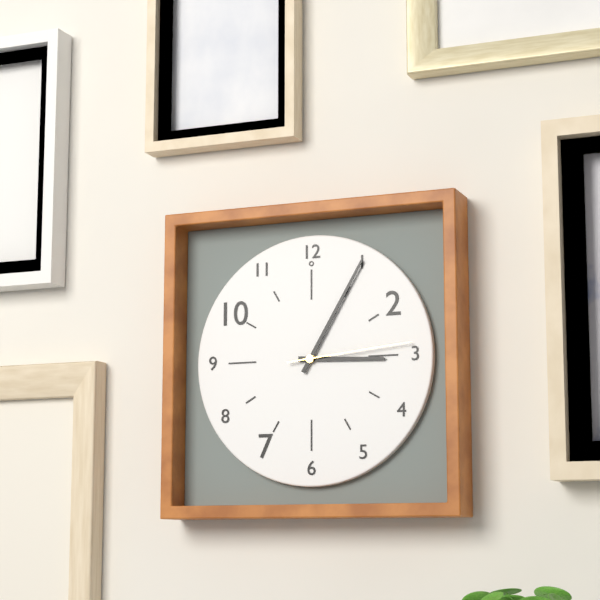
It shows {"hour": 3, "minute": 5, "second": 14}
